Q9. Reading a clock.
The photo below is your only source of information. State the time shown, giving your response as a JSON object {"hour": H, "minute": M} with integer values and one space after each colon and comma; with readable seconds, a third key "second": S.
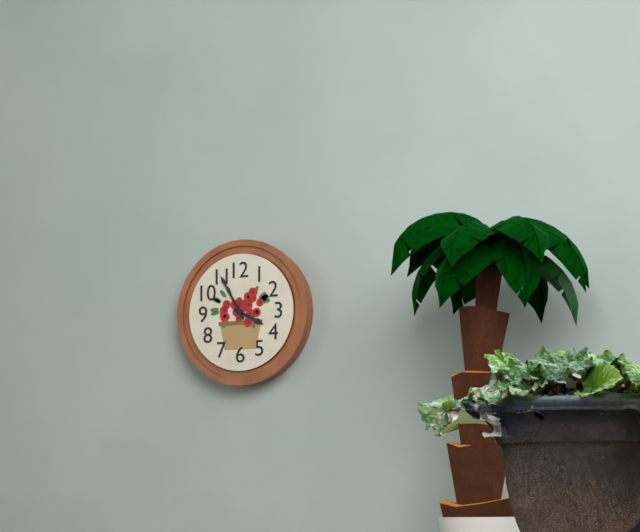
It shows {"hour": 3, "minute": 55}
